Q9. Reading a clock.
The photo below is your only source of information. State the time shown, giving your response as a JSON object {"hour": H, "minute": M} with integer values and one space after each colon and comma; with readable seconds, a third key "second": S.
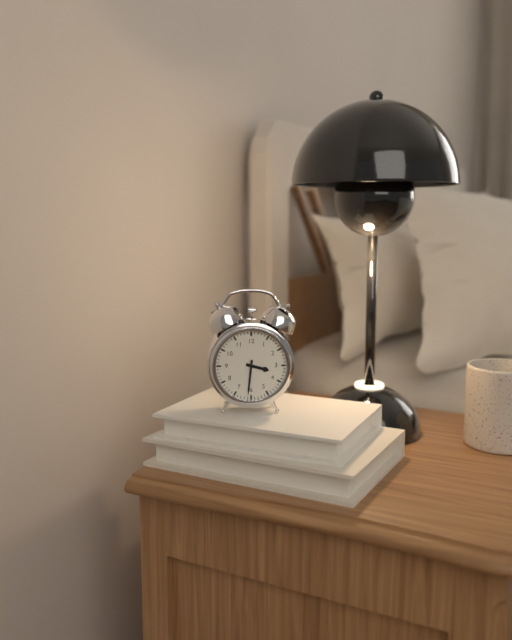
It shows {"hour": 3, "minute": 31}
